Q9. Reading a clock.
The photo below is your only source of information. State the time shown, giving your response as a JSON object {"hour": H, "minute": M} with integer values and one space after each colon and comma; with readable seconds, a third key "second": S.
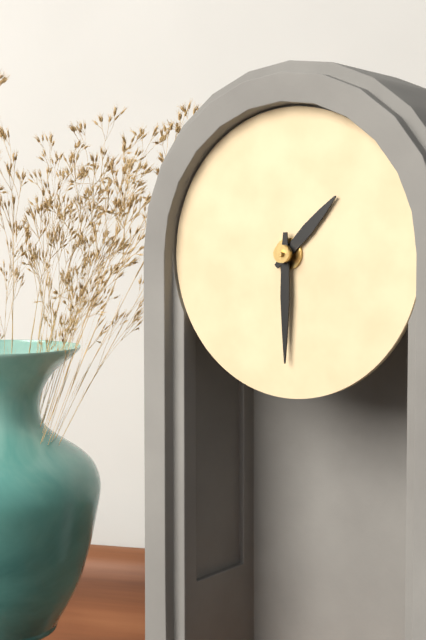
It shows {"hour": 1, "minute": 30}
